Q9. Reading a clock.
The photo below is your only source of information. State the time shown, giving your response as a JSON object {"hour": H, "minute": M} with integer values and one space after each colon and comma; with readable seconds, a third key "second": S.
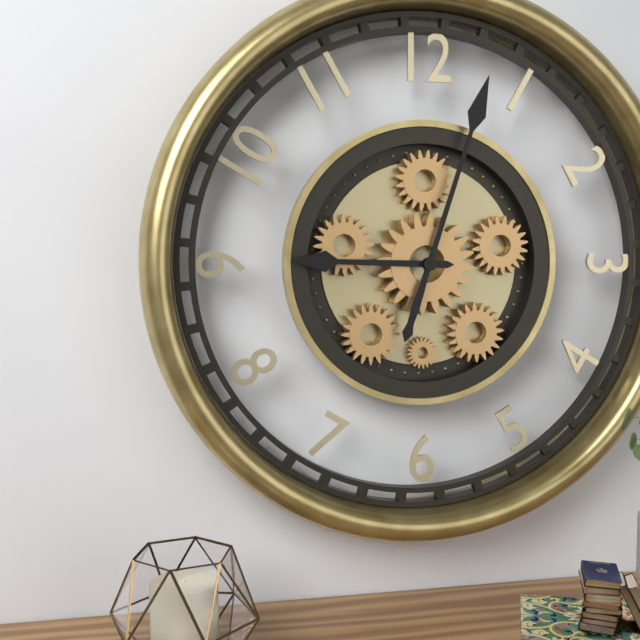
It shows {"hour": 9, "minute": 3}
